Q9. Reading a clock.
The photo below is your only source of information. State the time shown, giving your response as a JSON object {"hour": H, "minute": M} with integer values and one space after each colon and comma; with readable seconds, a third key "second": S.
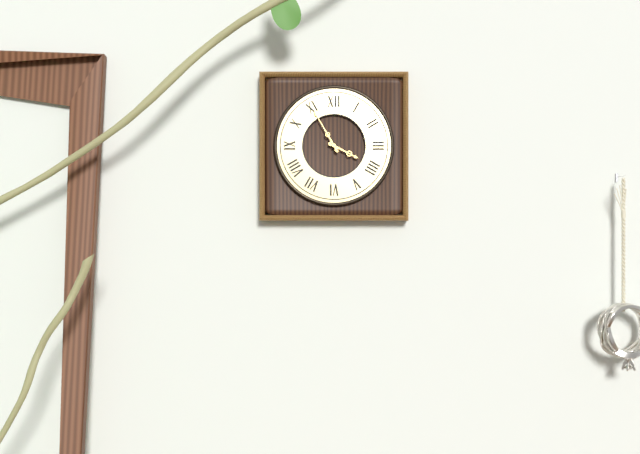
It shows {"hour": 3, "minute": 55}
